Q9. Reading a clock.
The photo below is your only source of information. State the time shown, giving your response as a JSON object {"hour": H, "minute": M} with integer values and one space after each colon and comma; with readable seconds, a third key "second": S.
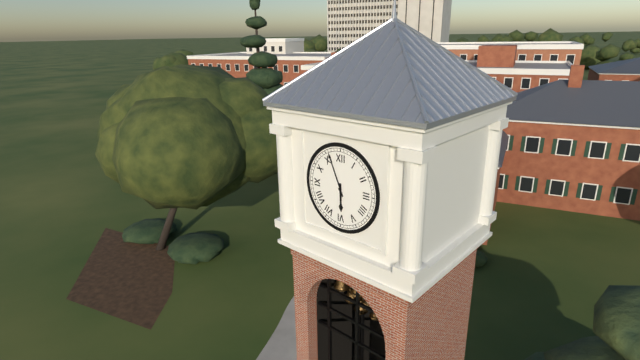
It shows {"hour": 5, "minute": 56}
